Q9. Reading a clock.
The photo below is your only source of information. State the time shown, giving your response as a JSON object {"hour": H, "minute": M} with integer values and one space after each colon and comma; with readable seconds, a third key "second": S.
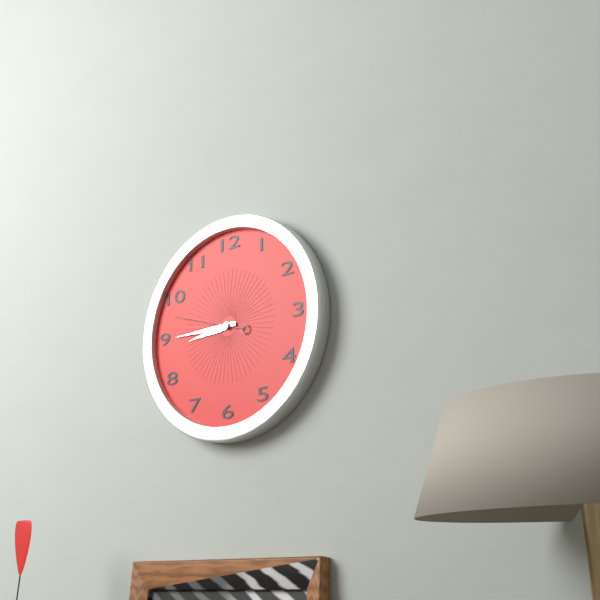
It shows {"hour": 8, "minute": 45, "second": 48}
